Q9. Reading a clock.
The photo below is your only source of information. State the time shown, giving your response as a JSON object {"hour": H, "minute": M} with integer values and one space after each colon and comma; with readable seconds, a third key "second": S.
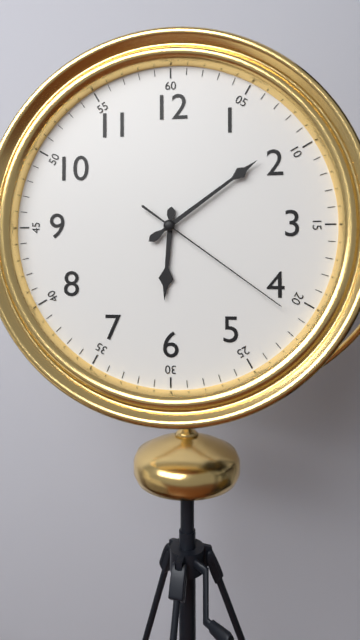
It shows {"hour": 6, "minute": 9, "second": 21}
